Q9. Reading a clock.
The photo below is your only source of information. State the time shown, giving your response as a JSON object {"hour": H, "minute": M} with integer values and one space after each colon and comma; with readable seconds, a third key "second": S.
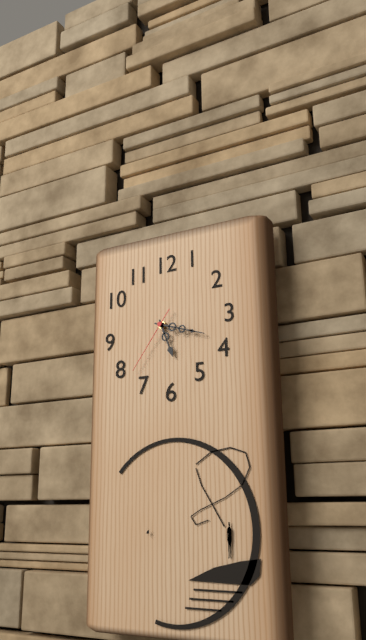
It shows {"hour": 5, "minute": 18, "second": 36}
